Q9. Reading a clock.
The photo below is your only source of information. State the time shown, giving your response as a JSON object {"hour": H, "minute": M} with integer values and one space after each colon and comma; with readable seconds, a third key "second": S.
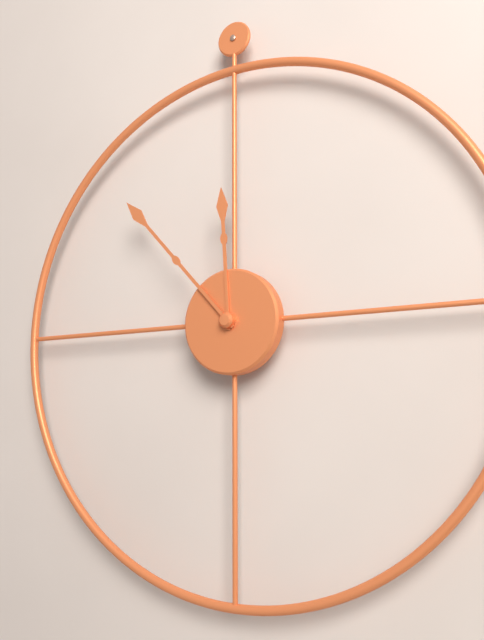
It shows {"hour": 11, "minute": 53}
